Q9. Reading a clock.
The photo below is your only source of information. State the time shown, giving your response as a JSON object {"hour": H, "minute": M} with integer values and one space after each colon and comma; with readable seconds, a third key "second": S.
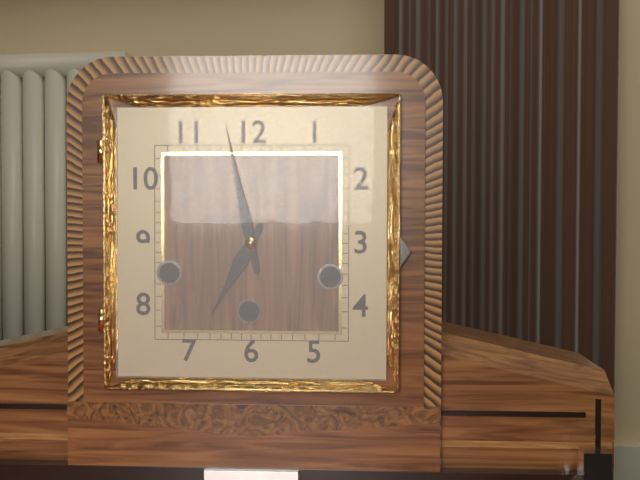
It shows {"hour": 6, "minute": 58}
